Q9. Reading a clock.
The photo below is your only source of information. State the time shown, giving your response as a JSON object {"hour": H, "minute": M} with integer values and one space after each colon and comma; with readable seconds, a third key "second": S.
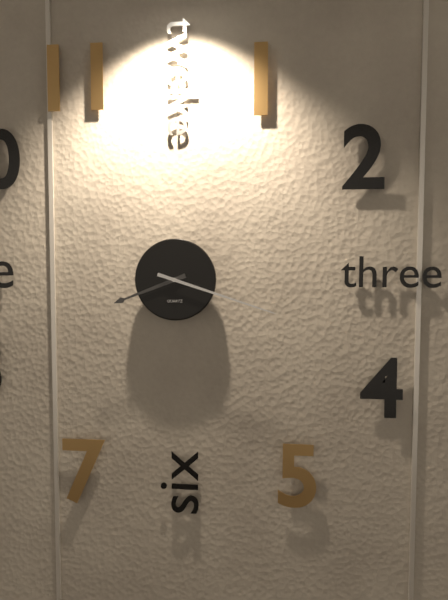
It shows {"hour": 8, "minute": 18}
